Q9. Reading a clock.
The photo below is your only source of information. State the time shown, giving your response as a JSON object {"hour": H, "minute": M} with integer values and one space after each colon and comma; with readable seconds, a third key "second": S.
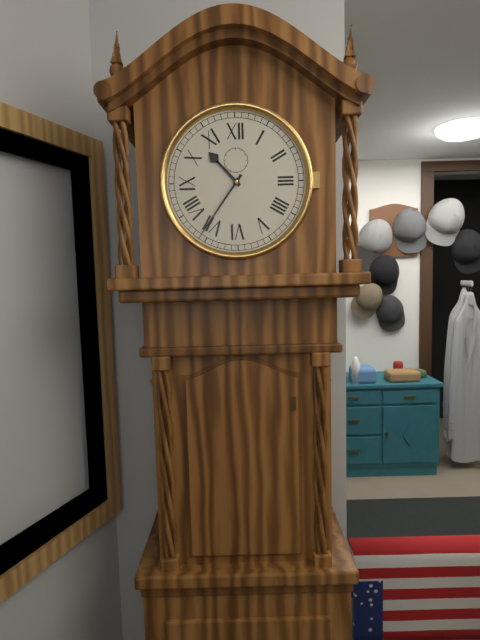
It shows {"hour": 10, "minute": 36}
